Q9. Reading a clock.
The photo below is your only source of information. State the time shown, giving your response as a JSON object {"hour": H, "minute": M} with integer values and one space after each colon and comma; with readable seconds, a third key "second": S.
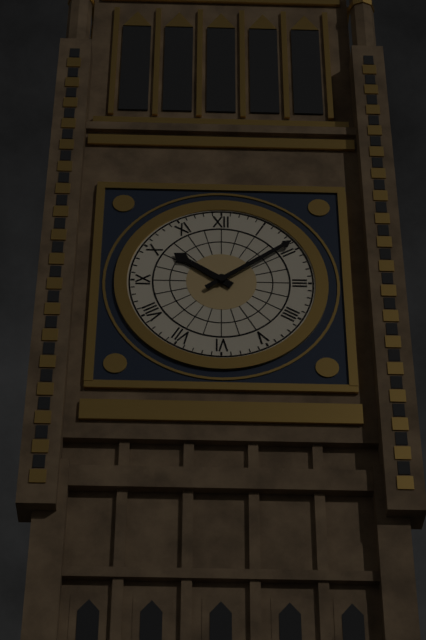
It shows {"hour": 10, "minute": 9}
